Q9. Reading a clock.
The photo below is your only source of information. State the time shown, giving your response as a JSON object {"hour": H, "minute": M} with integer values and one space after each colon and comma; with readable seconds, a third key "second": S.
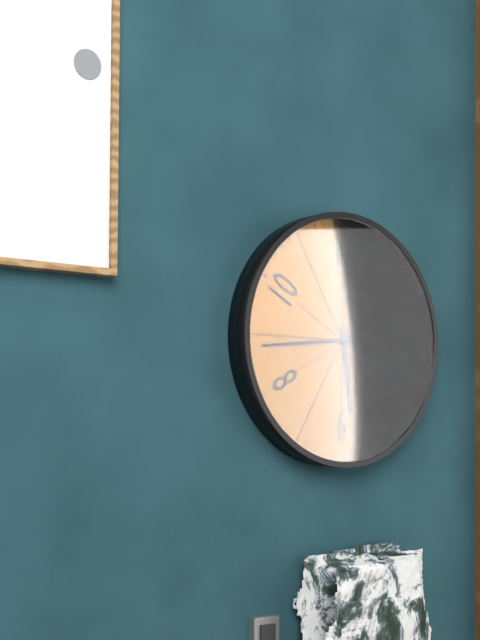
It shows {"hour": 5, "minute": 44}
